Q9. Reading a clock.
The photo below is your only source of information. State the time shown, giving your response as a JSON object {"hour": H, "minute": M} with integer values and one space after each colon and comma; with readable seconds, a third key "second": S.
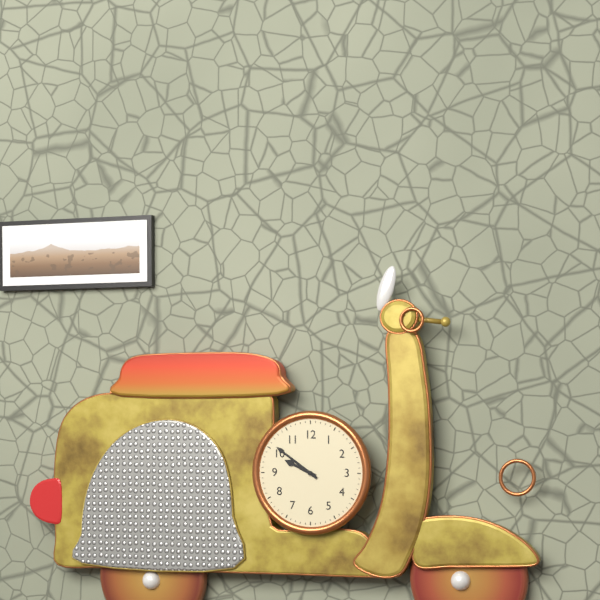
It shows {"hour": 9, "minute": 51}
